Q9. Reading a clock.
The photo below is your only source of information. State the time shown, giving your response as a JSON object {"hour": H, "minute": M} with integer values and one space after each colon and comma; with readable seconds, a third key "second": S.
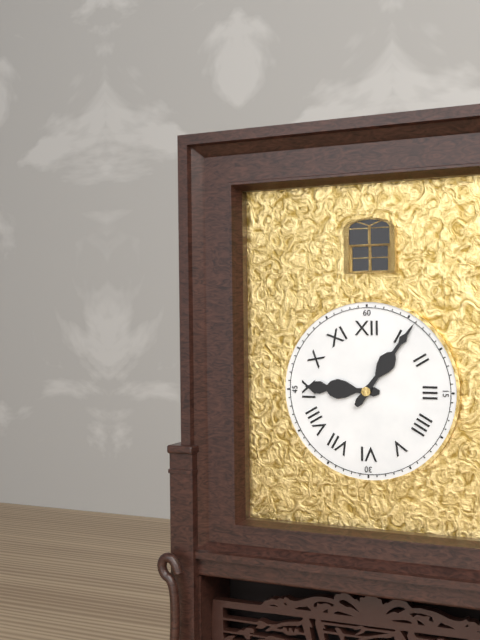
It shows {"hour": 9, "minute": 6}
